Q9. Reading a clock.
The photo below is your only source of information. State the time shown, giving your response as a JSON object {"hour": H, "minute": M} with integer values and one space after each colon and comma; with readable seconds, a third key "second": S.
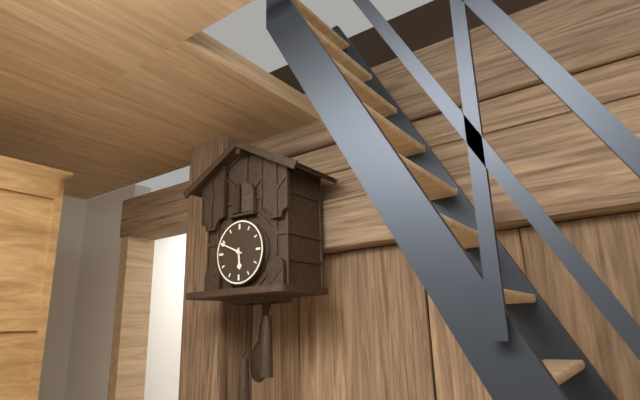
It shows {"hour": 5, "minute": 49}
